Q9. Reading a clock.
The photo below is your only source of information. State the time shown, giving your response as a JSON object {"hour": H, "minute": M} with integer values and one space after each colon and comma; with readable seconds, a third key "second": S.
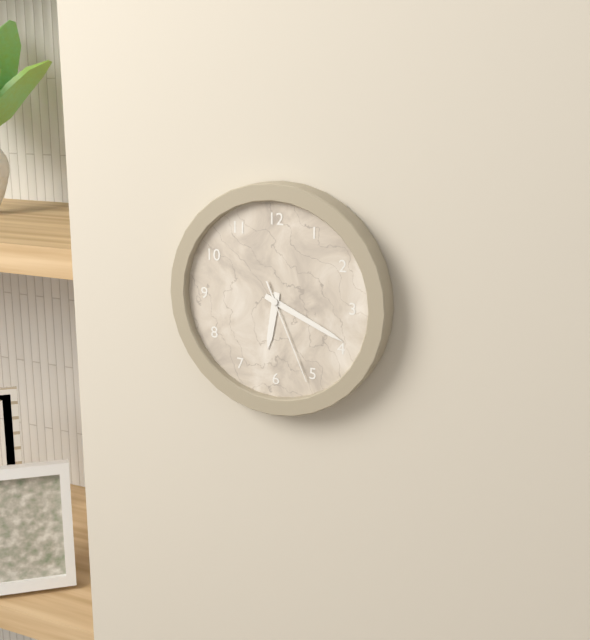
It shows {"hour": 6, "minute": 19, "second": 26}
